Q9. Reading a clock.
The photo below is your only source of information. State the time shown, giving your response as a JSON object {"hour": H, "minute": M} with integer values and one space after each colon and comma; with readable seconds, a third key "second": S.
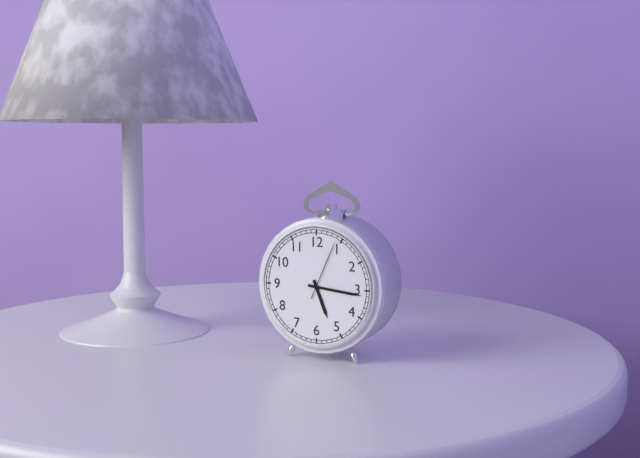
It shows {"hour": 5, "minute": 16, "second": 4}
